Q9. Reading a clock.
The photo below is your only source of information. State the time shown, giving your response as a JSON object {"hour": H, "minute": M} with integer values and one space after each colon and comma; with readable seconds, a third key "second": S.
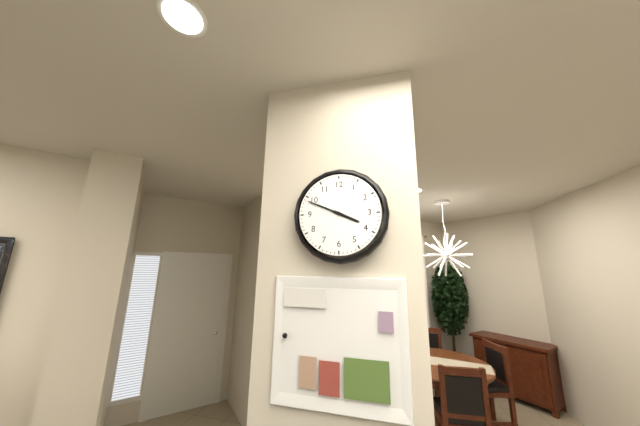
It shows {"hour": 3, "minute": 49}
